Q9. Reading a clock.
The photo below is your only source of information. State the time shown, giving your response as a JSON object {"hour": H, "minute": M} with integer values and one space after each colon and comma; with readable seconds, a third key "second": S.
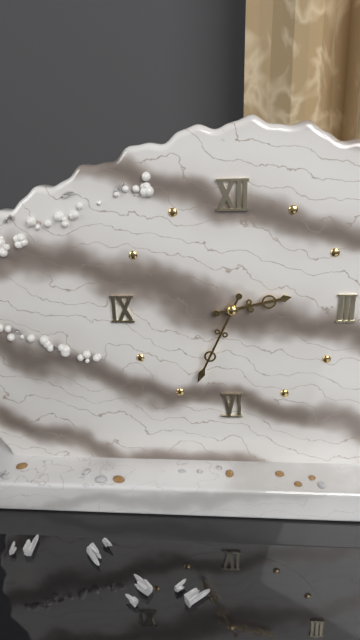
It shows {"hour": 2, "minute": 34}
